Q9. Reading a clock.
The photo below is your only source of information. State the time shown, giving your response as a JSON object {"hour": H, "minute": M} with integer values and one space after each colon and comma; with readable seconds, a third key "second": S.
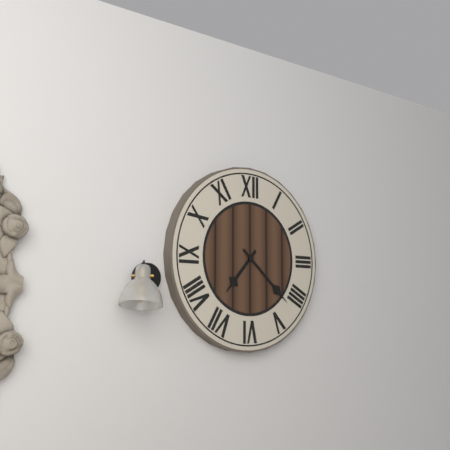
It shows {"hour": 7, "minute": 22}
